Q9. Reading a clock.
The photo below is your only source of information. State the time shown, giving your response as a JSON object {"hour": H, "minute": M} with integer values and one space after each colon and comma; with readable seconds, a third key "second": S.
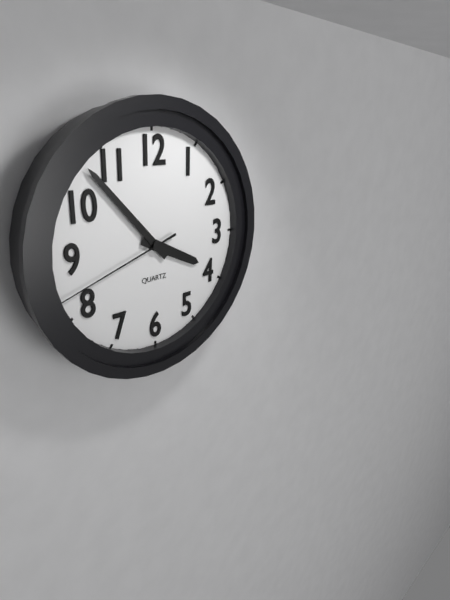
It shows {"hour": 3, "minute": 53, "second": 42}
